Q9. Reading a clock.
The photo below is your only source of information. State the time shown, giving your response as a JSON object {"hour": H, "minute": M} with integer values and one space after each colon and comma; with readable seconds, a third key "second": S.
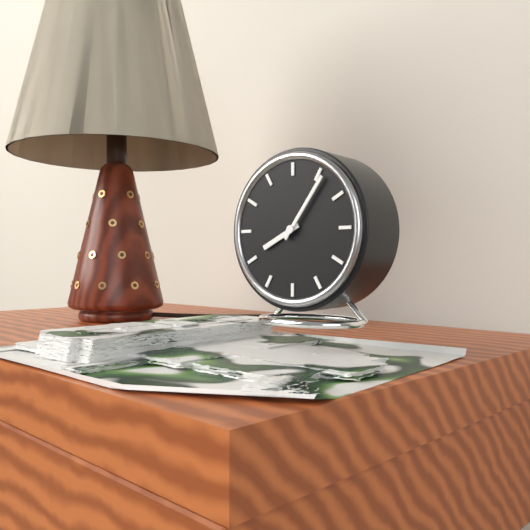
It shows {"hour": 8, "minute": 6}
